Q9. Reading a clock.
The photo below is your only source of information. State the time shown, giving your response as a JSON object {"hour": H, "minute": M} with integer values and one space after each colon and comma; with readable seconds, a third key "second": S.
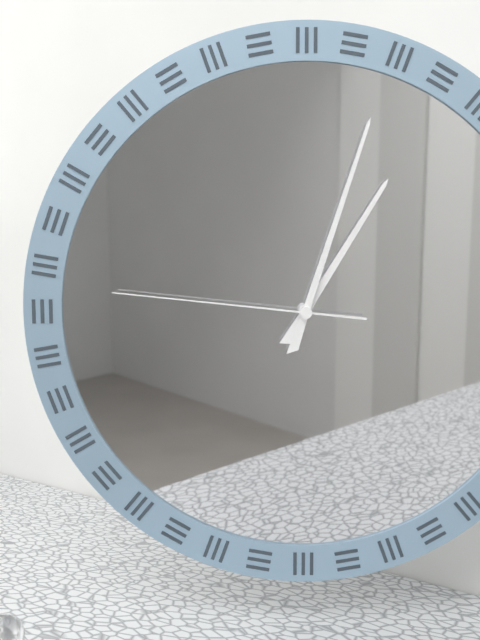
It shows {"hour": 1, "minute": 3, "second": 46}
